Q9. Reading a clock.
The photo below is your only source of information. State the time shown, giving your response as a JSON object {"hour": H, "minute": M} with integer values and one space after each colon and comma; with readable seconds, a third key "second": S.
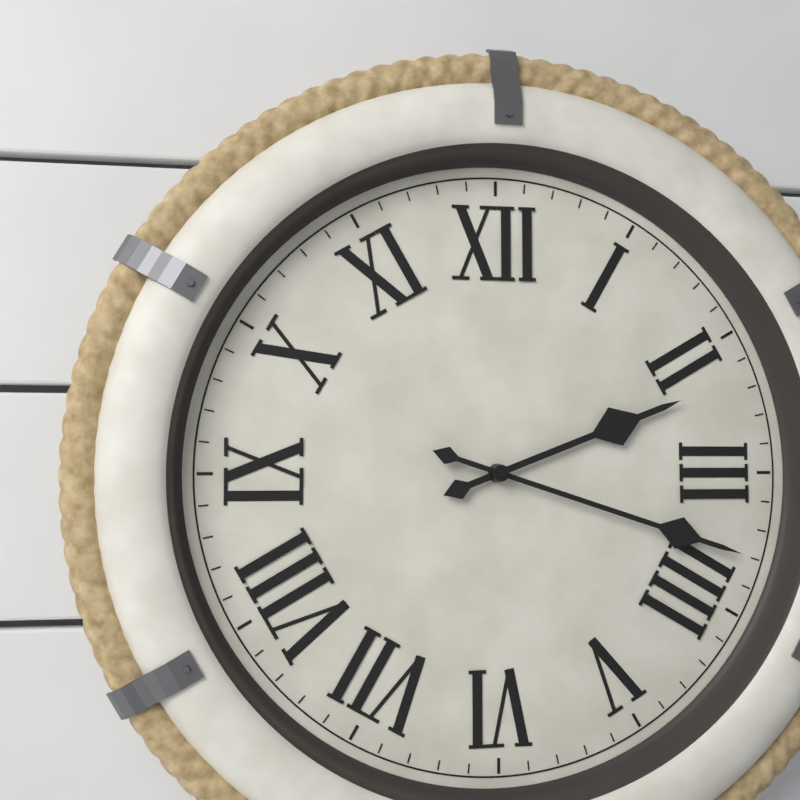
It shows {"hour": 2, "minute": 18}
